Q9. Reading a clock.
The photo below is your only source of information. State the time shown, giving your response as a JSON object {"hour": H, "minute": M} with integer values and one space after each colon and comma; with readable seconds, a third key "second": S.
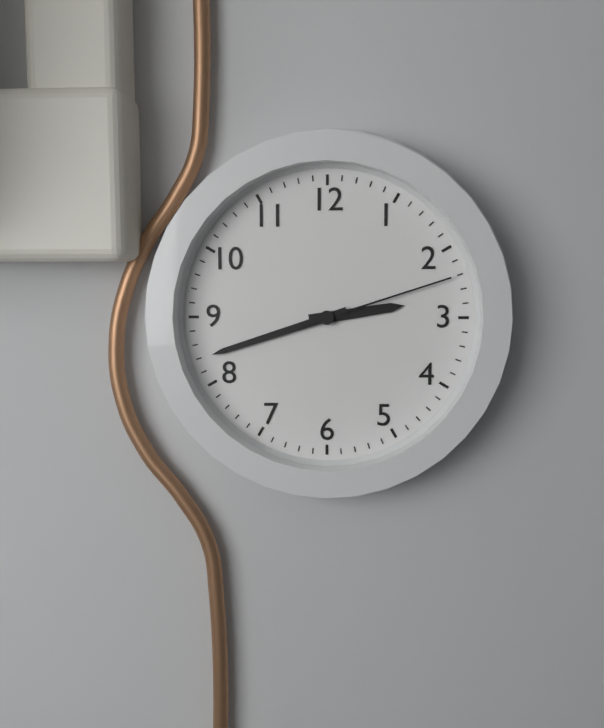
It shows {"hour": 2, "minute": 42, "second": 12}
